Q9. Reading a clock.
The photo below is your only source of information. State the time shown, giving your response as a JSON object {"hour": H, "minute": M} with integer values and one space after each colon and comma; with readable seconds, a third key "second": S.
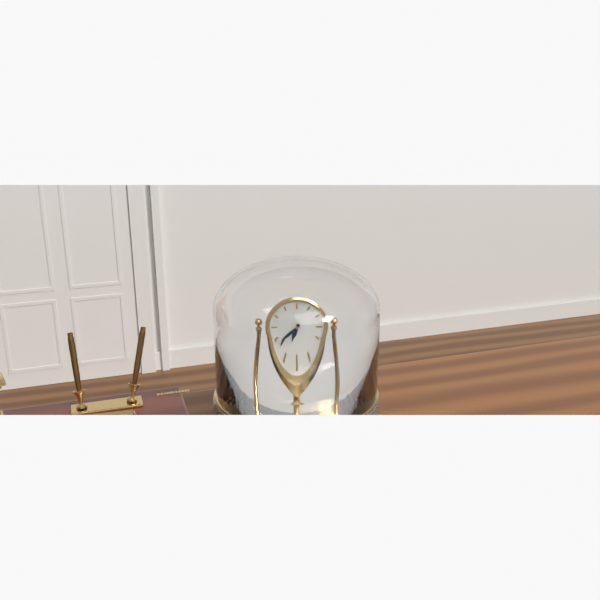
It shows {"hour": 6, "minute": 38}
